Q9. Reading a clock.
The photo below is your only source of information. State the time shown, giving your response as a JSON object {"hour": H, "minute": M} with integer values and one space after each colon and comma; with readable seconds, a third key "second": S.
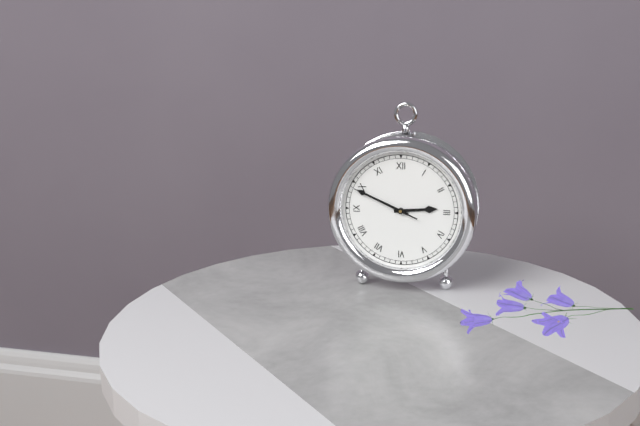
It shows {"hour": 2, "minute": 49, "second": 49}
